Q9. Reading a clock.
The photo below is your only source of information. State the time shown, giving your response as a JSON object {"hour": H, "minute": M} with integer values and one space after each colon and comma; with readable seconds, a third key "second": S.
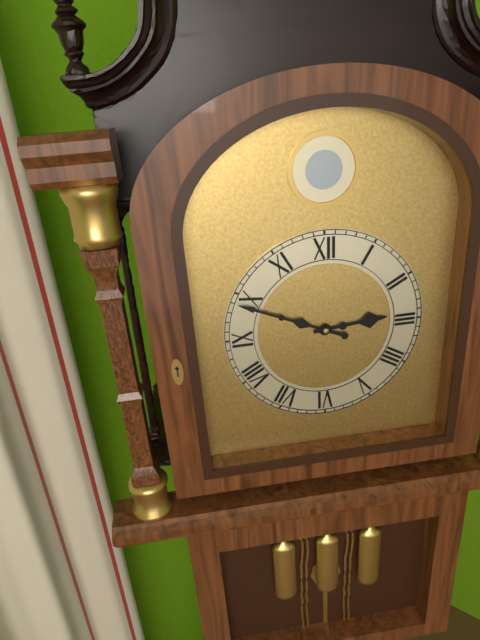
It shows {"hour": 2, "minute": 49}
